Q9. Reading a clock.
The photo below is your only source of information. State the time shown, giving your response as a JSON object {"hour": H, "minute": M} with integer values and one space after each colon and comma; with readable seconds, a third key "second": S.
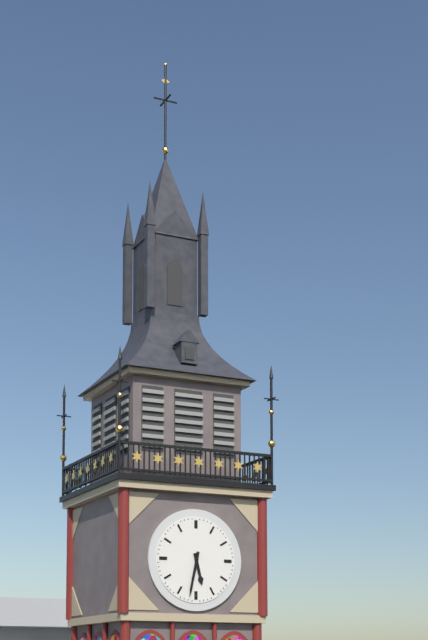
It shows {"hour": 5, "minute": 32}
